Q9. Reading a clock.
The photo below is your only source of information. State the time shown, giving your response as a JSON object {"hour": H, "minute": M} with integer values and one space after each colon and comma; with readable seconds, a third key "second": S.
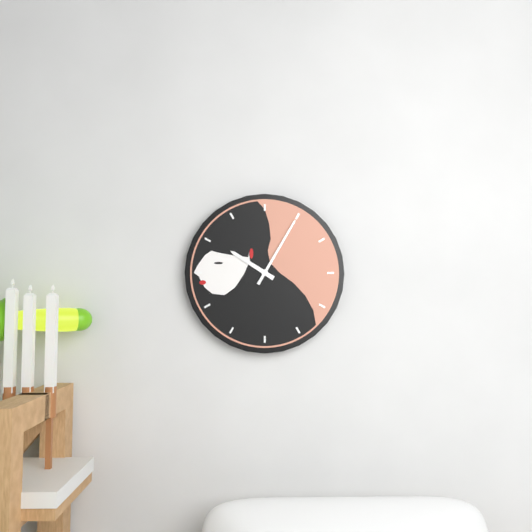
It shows {"hour": 10, "minute": 5}
